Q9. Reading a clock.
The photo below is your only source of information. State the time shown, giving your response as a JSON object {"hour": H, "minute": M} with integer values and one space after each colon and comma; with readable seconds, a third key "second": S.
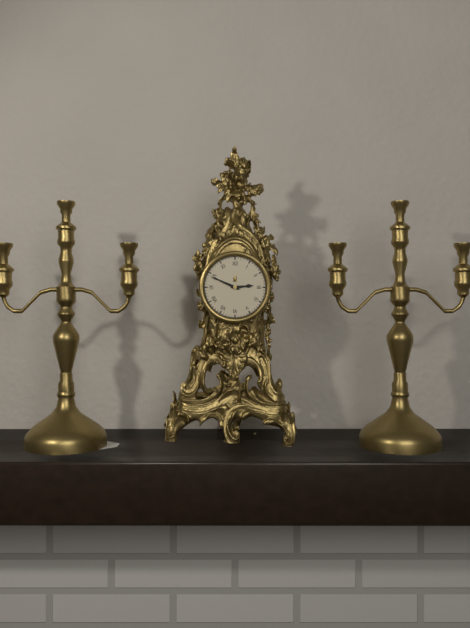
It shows {"hour": 2, "minute": 49}
